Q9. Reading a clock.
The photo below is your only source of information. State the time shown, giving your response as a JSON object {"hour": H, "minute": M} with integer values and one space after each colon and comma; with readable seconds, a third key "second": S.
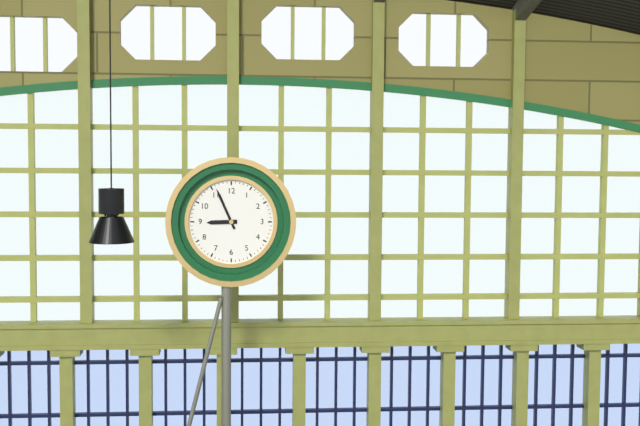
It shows {"hour": 8, "minute": 56}
